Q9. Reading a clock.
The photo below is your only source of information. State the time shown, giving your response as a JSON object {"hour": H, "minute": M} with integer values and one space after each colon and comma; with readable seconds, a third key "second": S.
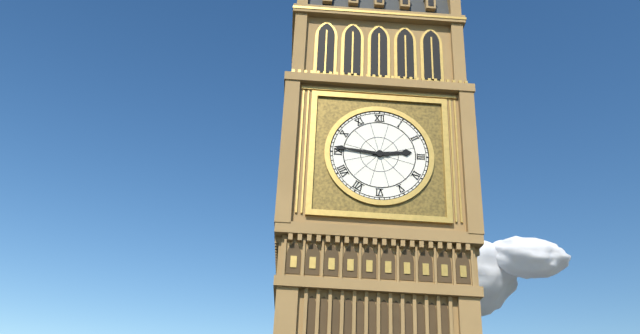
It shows {"hour": 2, "minute": 46}
